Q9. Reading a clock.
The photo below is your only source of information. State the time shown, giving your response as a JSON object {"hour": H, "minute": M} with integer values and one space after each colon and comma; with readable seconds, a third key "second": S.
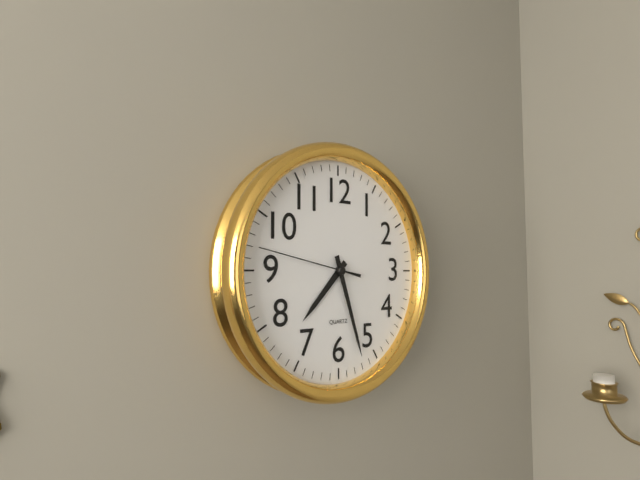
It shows {"hour": 7, "minute": 27, "second": 47}
